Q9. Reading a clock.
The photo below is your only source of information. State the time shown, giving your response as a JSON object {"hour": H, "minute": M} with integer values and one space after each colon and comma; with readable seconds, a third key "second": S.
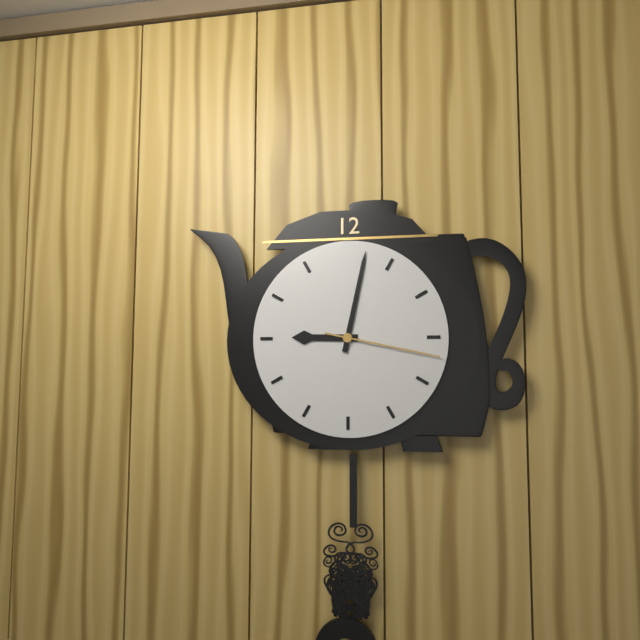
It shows {"hour": 9, "minute": 2, "second": 17}
